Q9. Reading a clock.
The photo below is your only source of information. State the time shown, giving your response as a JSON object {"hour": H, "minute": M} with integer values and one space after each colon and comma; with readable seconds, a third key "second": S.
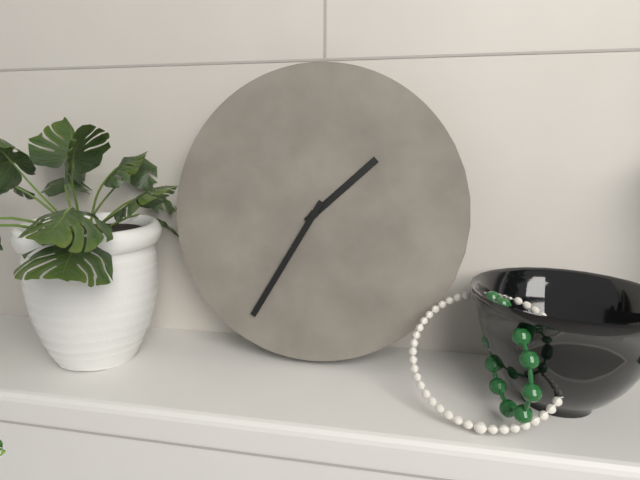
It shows {"hour": 1, "minute": 35}
